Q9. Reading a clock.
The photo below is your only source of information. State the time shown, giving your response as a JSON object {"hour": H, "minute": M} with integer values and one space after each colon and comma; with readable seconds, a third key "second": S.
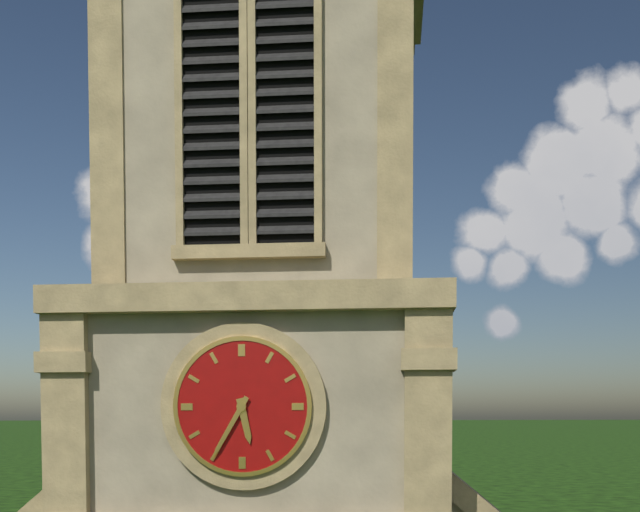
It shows {"hour": 5, "minute": 35}
